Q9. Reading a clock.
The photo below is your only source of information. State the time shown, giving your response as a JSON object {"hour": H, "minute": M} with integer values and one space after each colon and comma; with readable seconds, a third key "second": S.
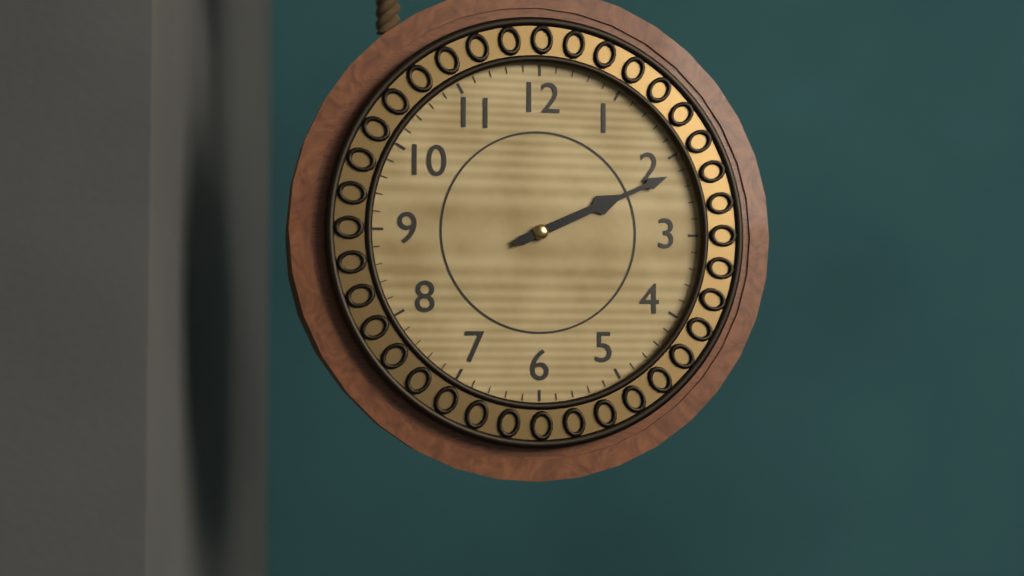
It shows {"hour": 2, "minute": 11}
